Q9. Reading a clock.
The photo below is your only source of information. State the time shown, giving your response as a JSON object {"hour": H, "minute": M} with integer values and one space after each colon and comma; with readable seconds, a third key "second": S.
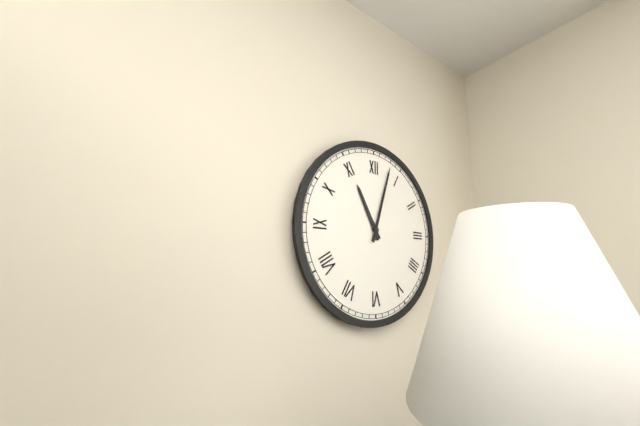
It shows {"hour": 11, "minute": 3}
